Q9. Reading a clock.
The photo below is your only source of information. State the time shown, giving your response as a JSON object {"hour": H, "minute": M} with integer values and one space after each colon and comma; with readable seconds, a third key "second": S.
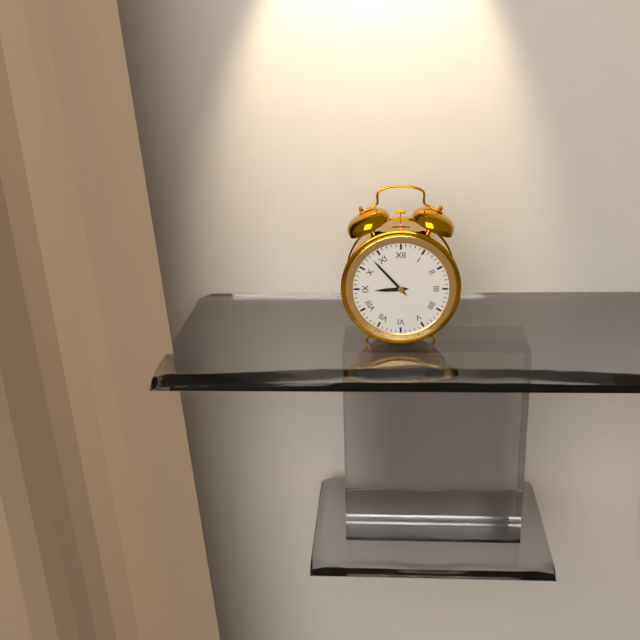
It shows {"hour": 8, "minute": 53}
